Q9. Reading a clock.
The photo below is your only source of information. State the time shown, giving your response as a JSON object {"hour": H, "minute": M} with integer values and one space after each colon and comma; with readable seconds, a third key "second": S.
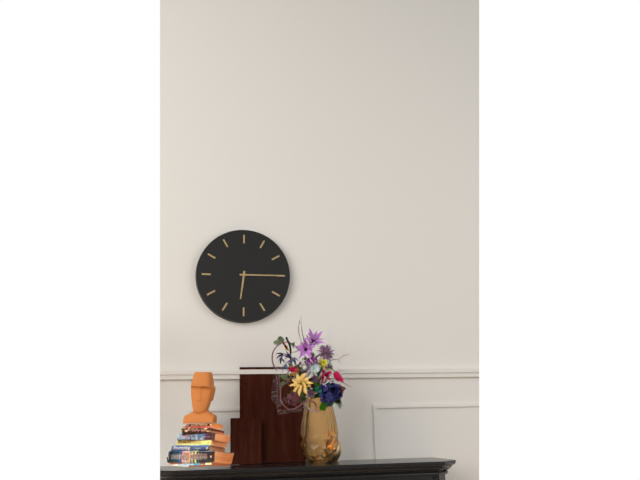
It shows {"hour": 6, "minute": 15}
